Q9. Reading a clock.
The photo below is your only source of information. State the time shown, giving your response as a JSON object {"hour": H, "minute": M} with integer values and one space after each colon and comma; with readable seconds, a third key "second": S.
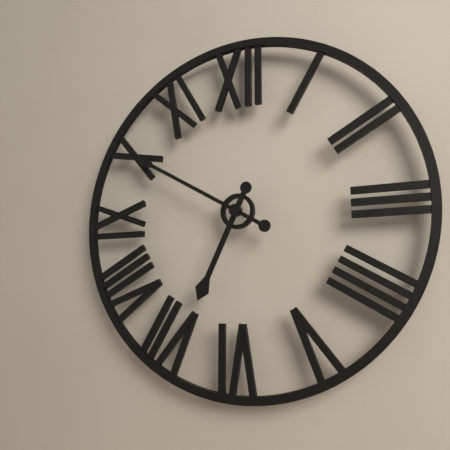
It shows {"hour": 6, "minute": 50}
